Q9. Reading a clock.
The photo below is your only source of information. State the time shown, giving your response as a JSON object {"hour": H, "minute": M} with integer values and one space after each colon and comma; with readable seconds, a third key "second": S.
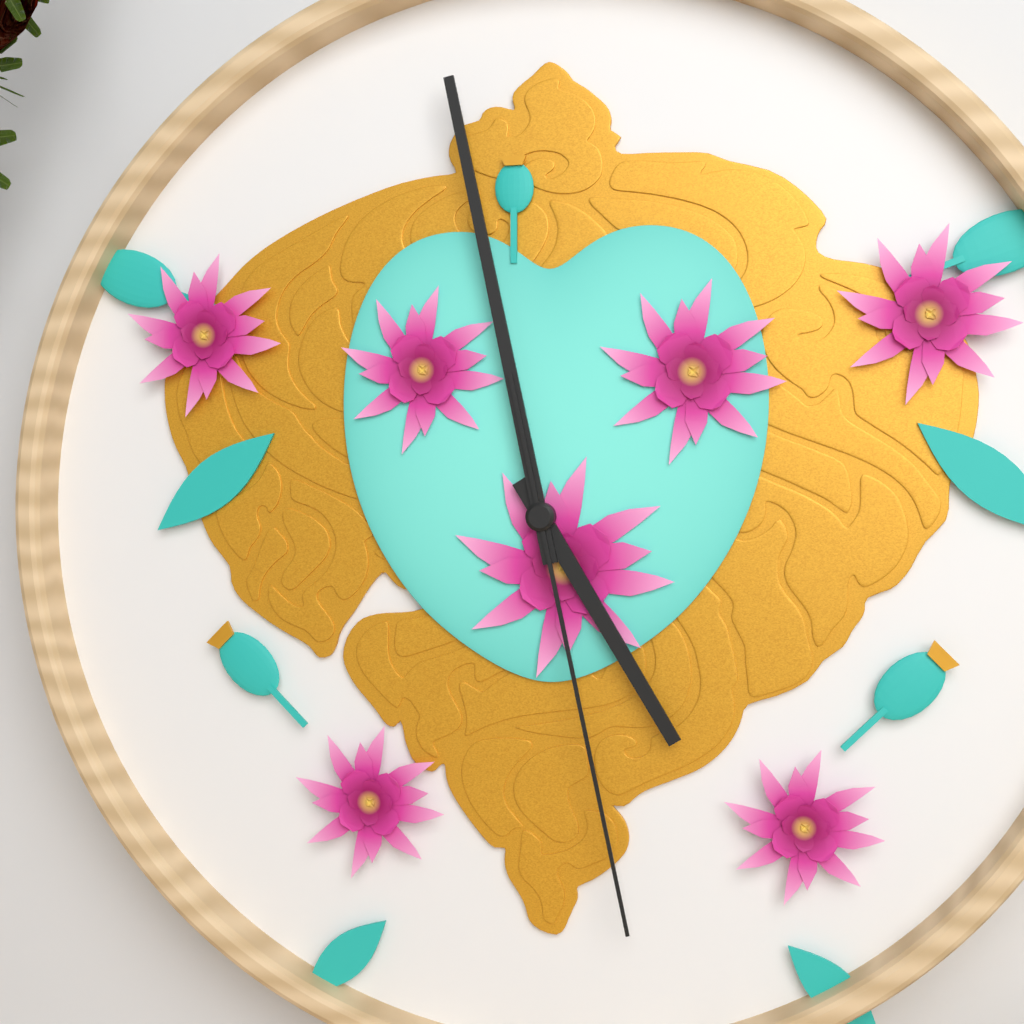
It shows {"hour": 4, "minute": 58, "second": 28}
